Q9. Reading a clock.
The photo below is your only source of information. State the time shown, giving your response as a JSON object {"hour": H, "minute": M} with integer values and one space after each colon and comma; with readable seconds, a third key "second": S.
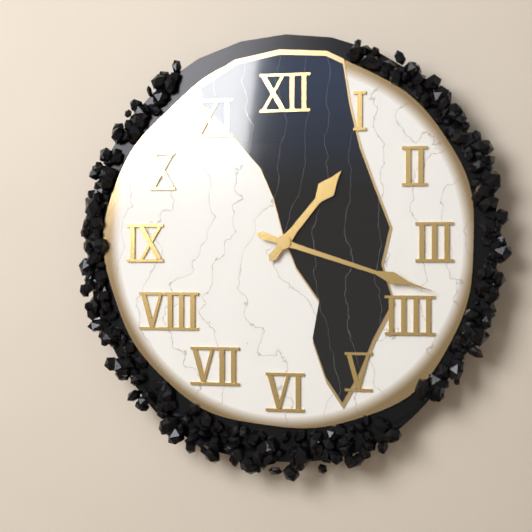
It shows {"hour": 1, "minute": 18}
